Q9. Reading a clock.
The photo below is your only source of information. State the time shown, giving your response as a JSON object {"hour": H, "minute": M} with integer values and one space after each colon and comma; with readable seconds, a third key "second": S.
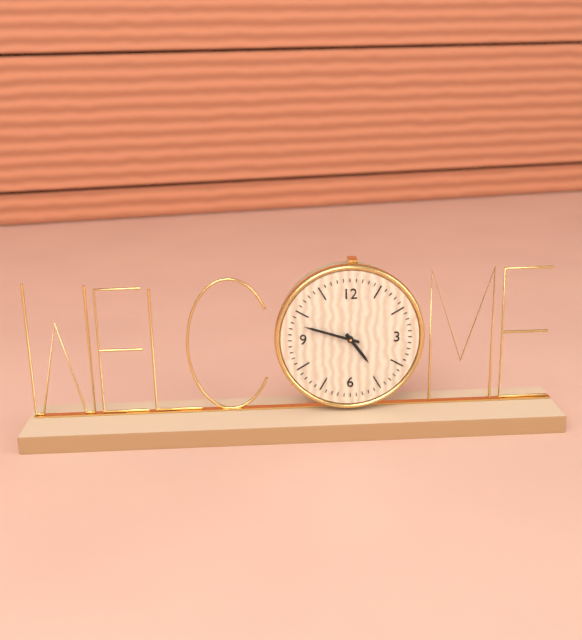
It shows {"hour": 4, "minute": 48}
